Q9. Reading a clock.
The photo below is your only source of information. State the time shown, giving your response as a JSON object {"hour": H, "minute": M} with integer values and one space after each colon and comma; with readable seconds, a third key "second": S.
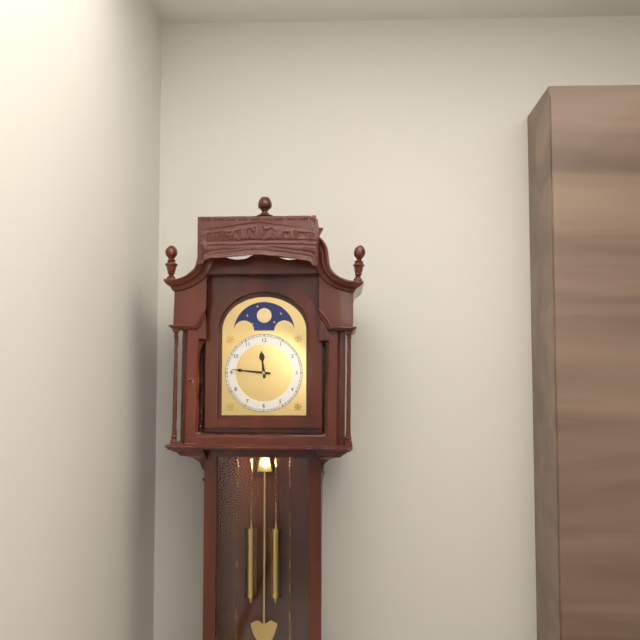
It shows {"hour": 11, "minute": 46}
